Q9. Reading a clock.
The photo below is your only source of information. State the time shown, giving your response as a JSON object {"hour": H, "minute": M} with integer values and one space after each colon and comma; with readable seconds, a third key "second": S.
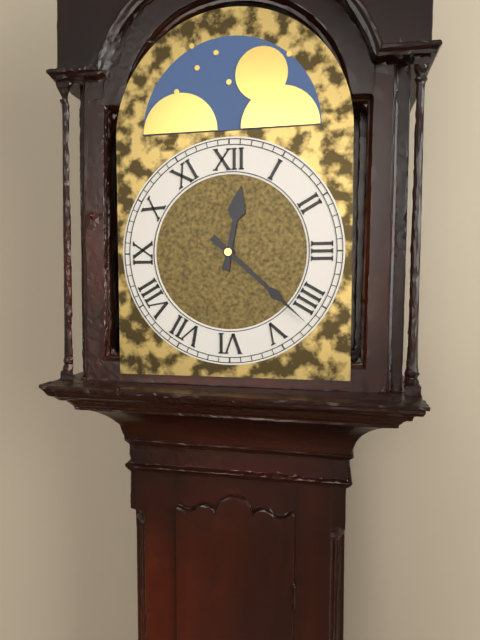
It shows {"hour": 12, "minute": 22}
